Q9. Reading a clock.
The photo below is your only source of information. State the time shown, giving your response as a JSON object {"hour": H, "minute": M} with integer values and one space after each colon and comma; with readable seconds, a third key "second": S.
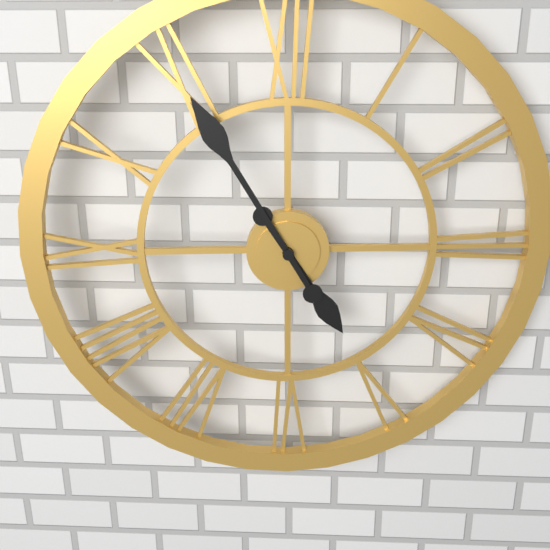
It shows {"hour": 4, "minute": 55}
